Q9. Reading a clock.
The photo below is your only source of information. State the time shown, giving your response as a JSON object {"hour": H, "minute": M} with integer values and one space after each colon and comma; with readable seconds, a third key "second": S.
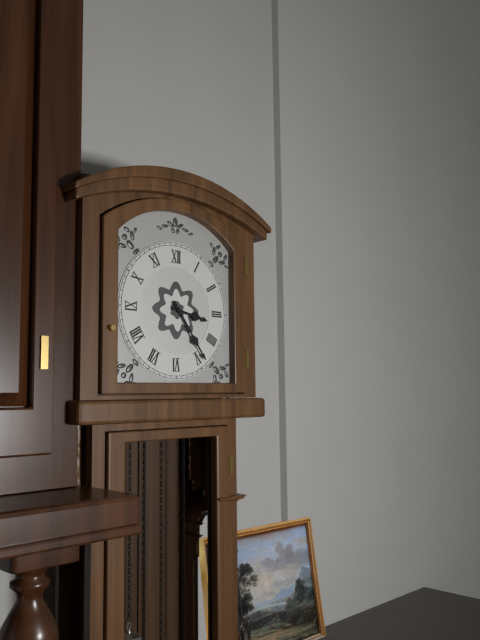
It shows {"hour": 3, "minute": 24}
